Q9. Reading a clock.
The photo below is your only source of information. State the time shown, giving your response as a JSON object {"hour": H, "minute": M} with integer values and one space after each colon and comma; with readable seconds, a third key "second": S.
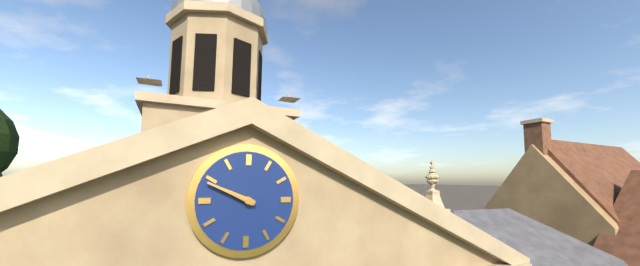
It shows {"hour": 9, "minute": 49}
